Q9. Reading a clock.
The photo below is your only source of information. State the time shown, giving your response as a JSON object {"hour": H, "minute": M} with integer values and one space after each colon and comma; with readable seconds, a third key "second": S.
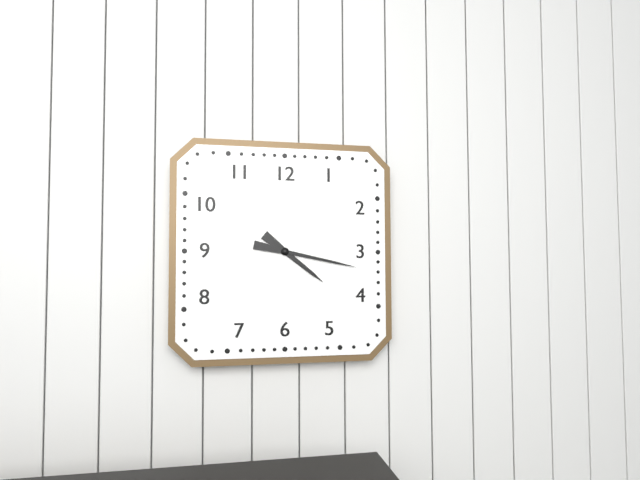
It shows {"hour": 4, "minute": 17}
